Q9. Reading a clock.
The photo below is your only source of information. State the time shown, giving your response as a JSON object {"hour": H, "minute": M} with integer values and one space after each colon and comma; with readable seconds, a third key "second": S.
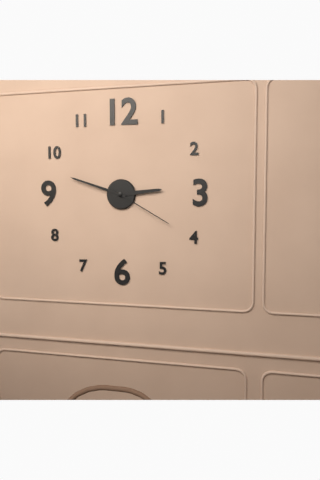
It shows {"hour": 2, "minute": 48, "second": 20}
